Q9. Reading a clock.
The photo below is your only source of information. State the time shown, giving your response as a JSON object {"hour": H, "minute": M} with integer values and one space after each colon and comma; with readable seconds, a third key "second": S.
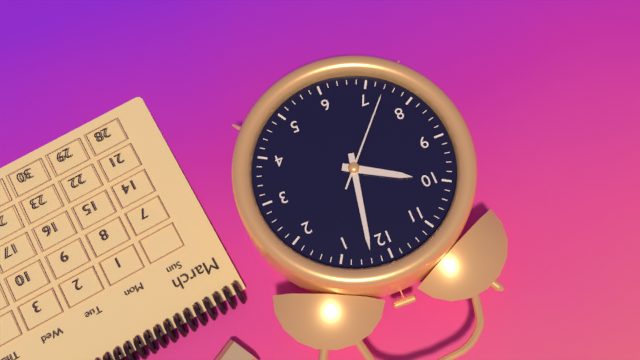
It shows {"hour": 10, "minute": 2, "second": 37}
